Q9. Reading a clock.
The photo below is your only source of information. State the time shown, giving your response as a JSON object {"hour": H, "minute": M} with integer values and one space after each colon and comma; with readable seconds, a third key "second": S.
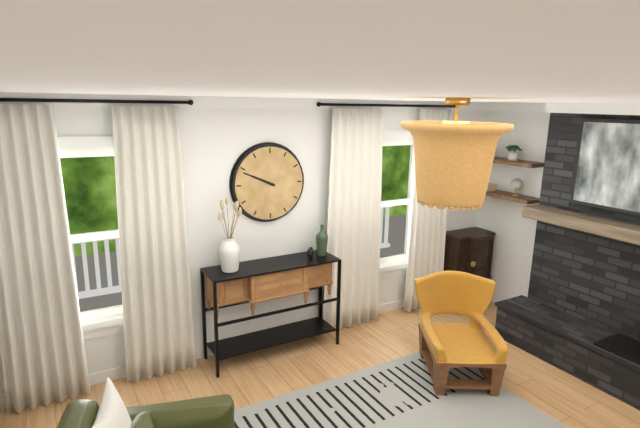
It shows {"hour": 9, "minute": 49}
